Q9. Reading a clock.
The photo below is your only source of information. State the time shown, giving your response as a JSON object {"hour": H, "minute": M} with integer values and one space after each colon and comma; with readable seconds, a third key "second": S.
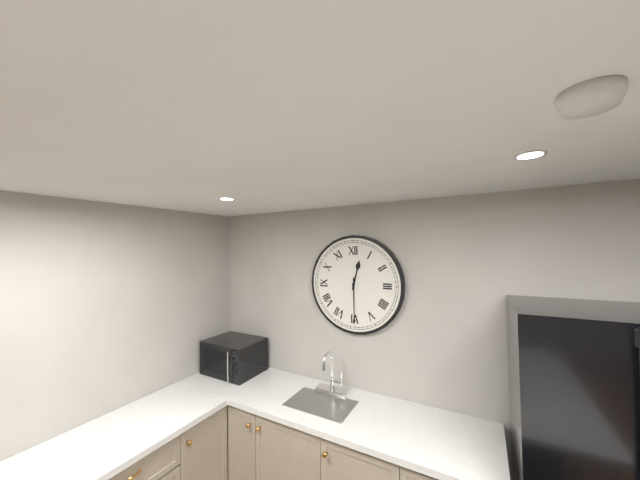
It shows {"hour": 12, "minute": 30}
